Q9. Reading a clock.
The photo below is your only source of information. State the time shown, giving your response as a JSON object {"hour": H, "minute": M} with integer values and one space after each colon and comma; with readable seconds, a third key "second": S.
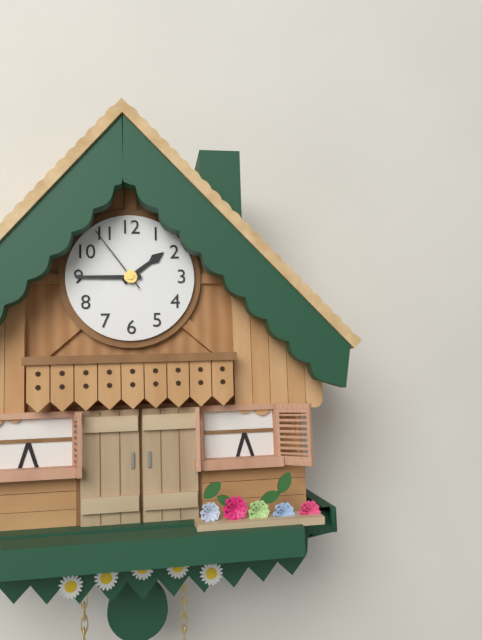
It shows {"hour": 1, "minute": 45, "second": 54}
